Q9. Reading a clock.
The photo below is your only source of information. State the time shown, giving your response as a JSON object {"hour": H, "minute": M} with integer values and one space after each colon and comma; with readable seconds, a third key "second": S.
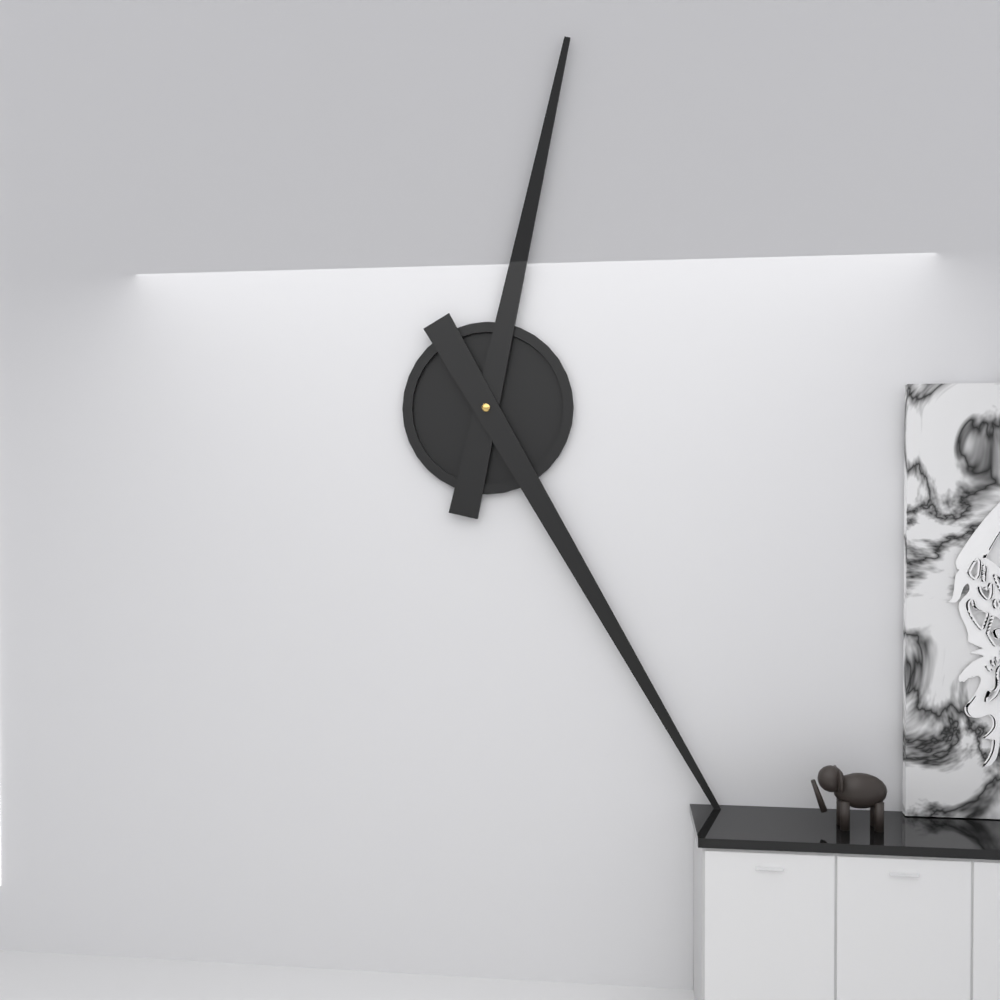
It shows {"hour": 12, "minute": 25}
